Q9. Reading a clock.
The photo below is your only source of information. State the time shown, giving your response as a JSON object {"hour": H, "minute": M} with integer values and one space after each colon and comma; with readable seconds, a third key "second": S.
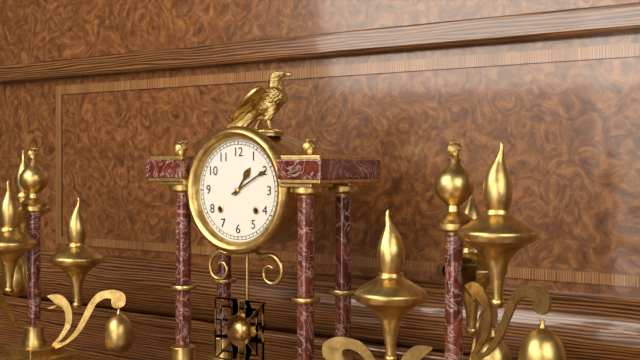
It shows {"hour": 1, "minute": 10}
